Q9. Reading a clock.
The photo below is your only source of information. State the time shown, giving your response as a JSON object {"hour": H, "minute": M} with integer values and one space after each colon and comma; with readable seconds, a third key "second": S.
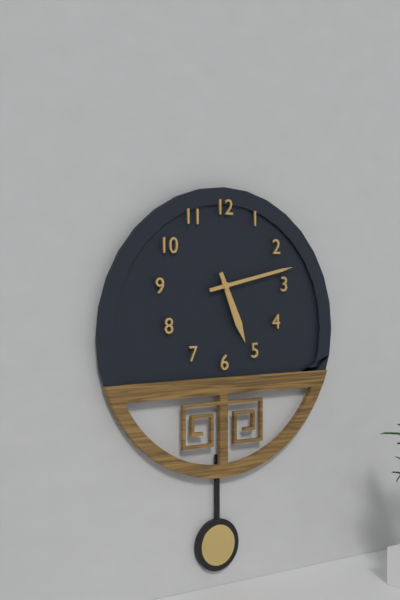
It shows {"hour": 5, "minute": 13}
